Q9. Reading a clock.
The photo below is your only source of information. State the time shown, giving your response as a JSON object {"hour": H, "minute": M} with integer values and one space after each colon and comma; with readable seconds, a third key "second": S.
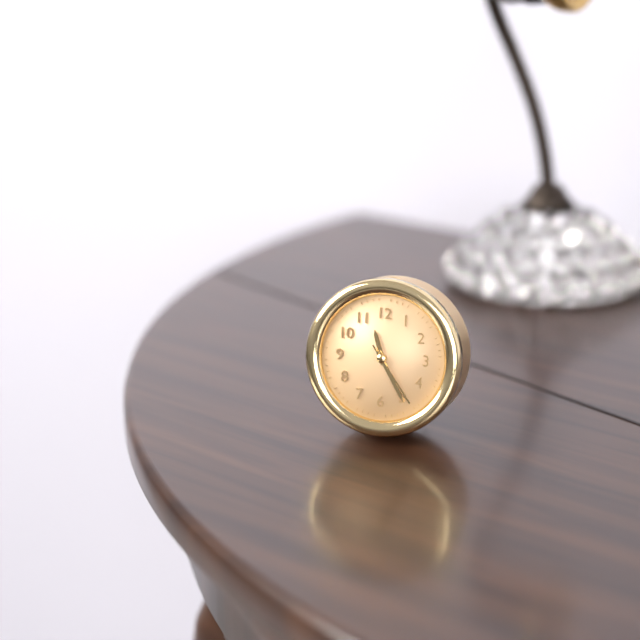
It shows {"hour": 11, "minute": 25, "second": 24}
